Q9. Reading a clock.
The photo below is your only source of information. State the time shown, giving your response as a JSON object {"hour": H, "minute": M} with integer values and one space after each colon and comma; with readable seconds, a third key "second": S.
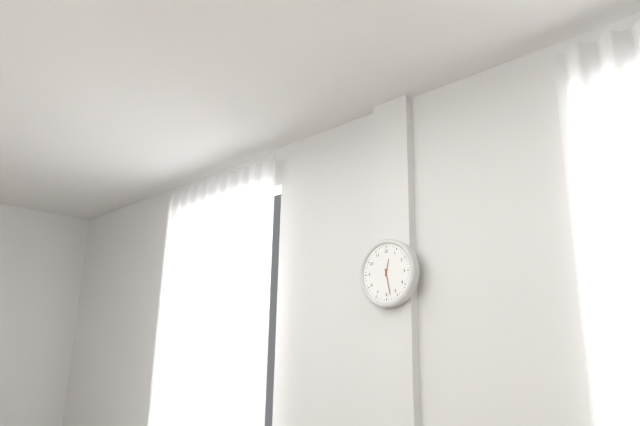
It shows {"hour": 12, "minute": 28}
